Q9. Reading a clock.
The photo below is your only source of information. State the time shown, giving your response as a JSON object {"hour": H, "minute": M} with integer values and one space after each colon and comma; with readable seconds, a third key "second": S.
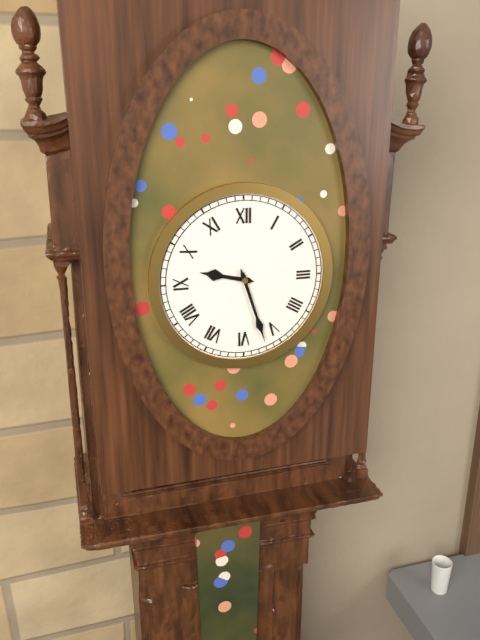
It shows {"hour": 9, "minute": 27}
